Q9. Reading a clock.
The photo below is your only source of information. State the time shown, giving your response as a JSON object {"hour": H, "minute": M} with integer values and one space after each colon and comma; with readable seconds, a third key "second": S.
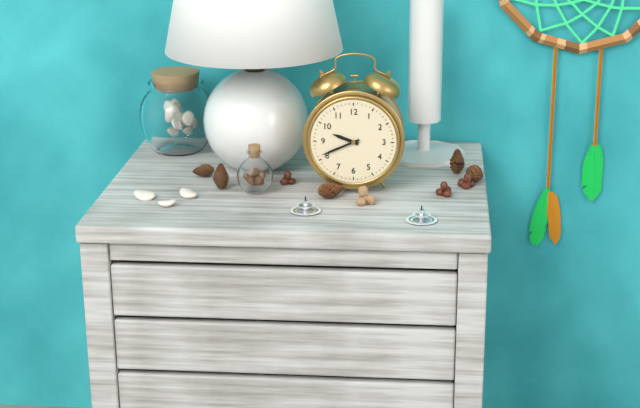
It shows {"hour": 9, "minute": 41}
